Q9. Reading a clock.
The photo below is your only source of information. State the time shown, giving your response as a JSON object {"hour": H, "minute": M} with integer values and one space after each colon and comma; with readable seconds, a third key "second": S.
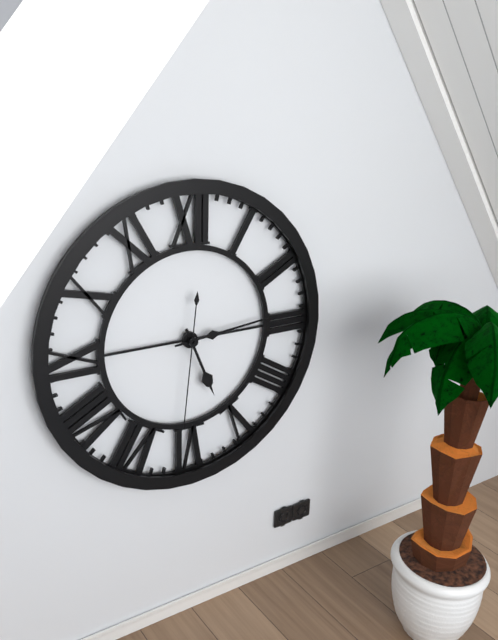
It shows {"hour": 5, "minute": 14, "second": 31}
